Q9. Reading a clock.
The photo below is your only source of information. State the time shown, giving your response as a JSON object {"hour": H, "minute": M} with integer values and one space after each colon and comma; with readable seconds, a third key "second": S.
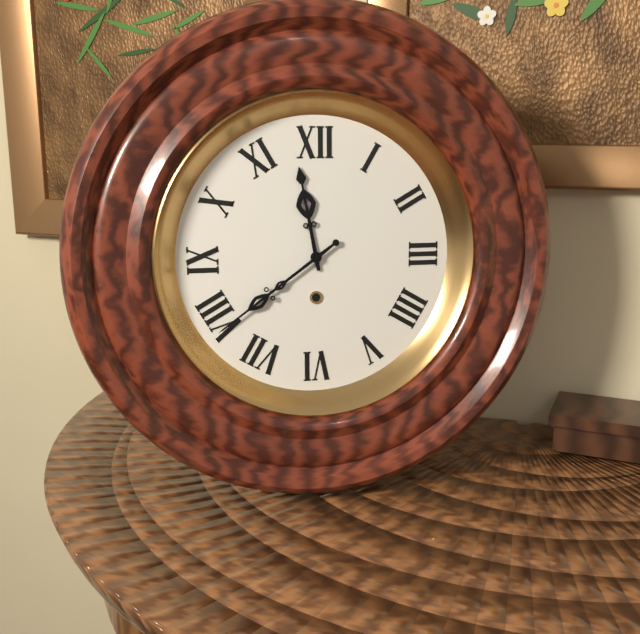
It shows {"hour": 11, "minute": 39}
